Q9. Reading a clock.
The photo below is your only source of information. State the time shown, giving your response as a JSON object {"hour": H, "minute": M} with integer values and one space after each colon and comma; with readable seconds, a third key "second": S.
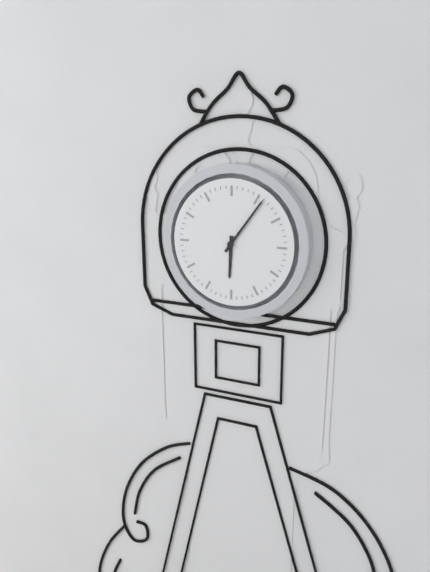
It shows {"hour": 6, "minute": 6}
